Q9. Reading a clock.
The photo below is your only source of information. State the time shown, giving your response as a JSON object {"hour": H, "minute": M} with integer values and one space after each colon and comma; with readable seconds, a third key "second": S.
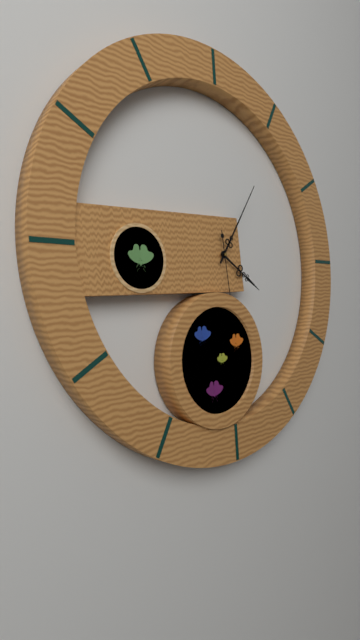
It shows {"hour": 4, "minute": 6}
